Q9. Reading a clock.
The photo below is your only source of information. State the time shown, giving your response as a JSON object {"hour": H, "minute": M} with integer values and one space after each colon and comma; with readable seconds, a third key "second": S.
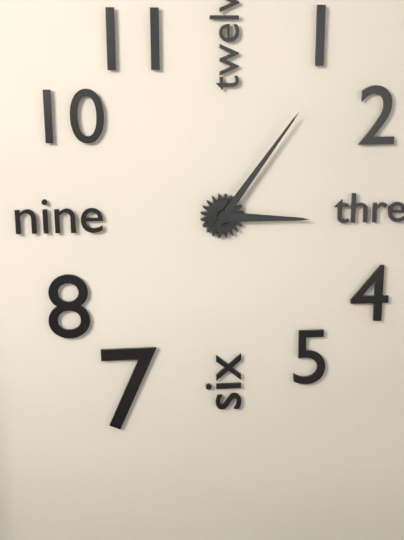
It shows {"hour": 3, "minute": 6}
